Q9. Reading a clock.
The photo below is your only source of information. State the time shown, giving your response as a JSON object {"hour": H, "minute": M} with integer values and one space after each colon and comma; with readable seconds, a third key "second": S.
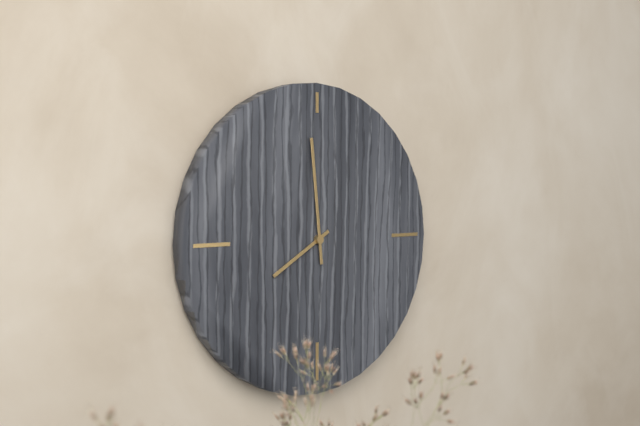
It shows {"hour": 7, "minute": 59}
